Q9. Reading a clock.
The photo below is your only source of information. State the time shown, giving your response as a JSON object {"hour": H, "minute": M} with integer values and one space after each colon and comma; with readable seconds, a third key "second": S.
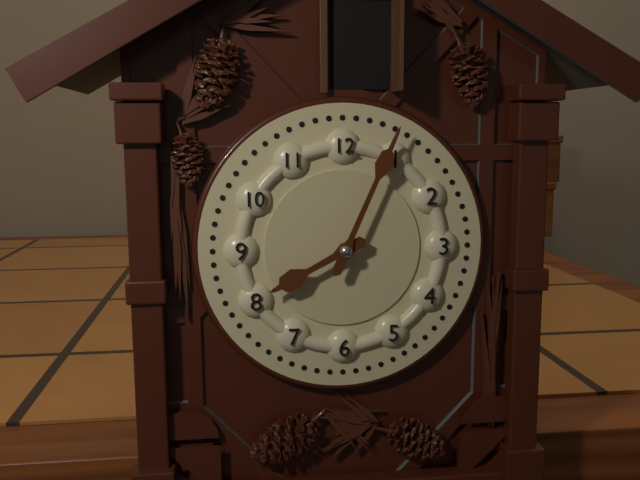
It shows {"hour": 8, "minute": 4}
